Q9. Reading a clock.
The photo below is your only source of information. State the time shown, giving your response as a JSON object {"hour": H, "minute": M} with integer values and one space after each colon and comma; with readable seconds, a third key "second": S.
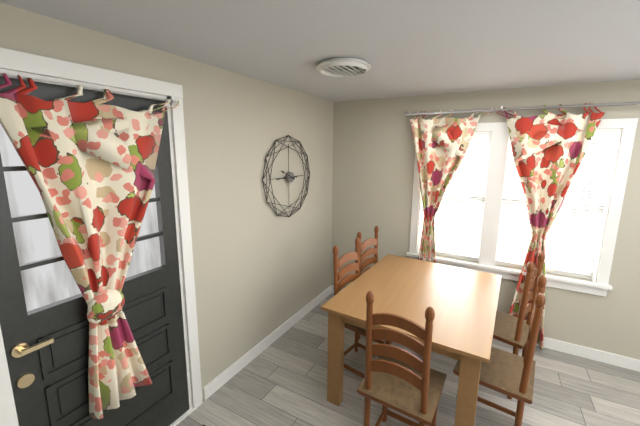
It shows {"hour": 9, "minute": 45}
